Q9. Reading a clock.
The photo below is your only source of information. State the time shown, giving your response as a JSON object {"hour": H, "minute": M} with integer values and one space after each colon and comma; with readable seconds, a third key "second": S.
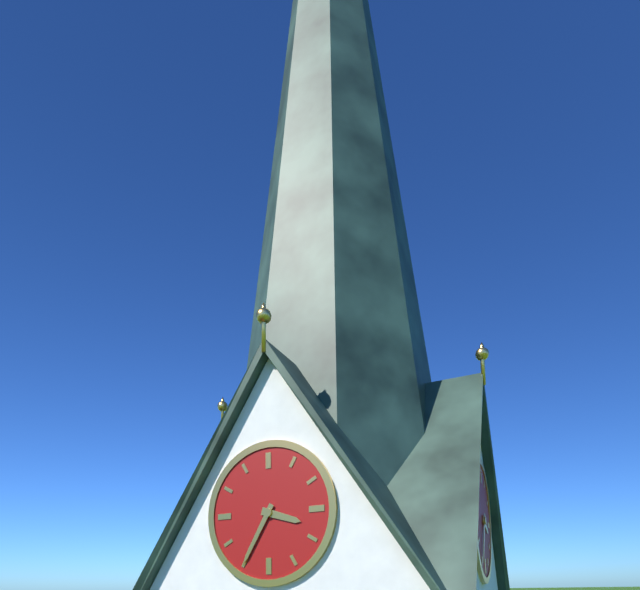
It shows {"hour": 3, "minute": 35}
